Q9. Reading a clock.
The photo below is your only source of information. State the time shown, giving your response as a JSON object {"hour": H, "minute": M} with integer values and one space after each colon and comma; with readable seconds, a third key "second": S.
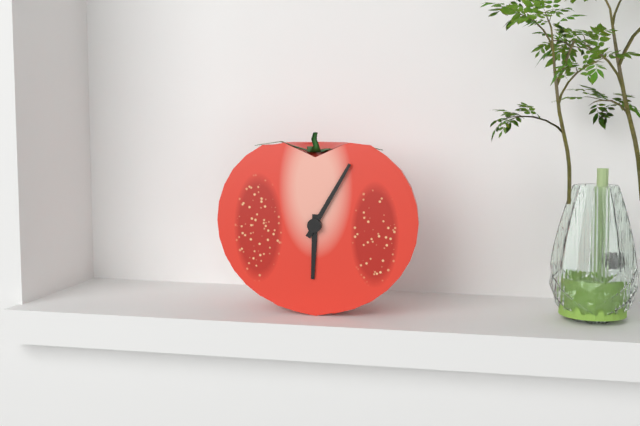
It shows {"hour": 6, "minute": 5}
